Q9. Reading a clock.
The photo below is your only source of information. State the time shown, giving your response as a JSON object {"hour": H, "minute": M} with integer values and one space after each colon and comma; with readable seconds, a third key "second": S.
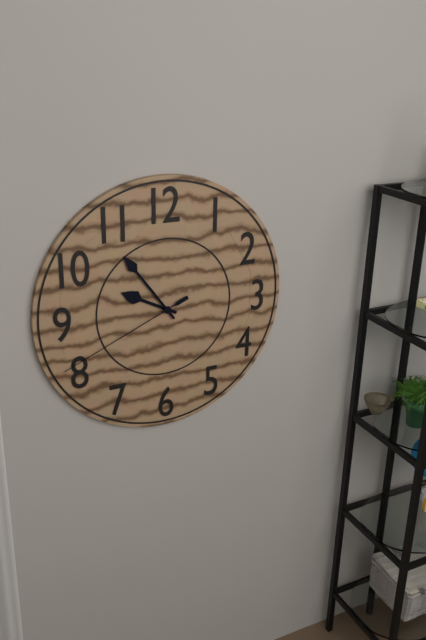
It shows {"hour": 9, "minute": 54, "second": 41}
